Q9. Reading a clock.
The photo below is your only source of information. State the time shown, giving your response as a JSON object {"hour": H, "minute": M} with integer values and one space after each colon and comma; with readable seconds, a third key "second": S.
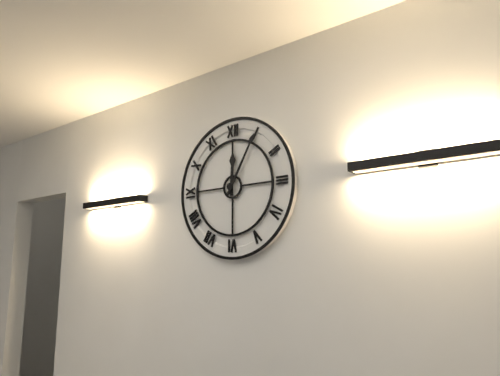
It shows {"hour": 12, "minute": 5}
